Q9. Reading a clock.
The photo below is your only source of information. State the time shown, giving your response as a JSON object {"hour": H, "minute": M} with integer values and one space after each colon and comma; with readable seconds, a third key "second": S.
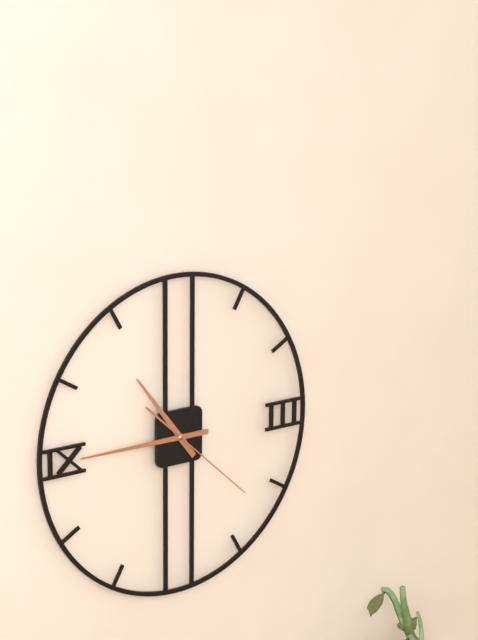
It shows {"hour": 10, "minute": 45, "second": 22}
